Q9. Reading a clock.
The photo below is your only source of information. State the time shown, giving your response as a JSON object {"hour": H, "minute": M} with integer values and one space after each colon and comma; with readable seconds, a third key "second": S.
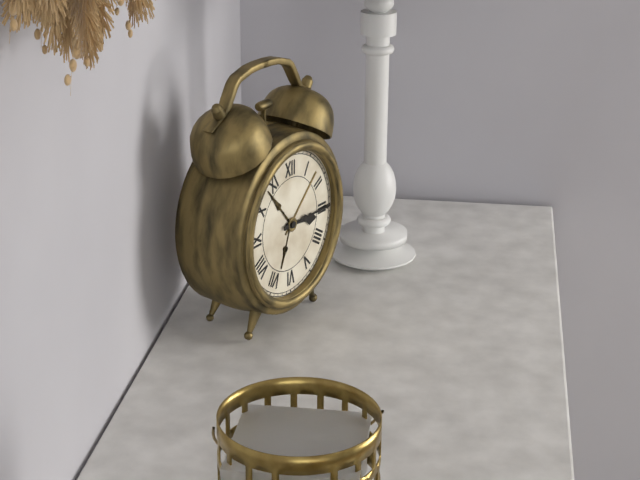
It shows {"hour": 3, "minute": 15}
